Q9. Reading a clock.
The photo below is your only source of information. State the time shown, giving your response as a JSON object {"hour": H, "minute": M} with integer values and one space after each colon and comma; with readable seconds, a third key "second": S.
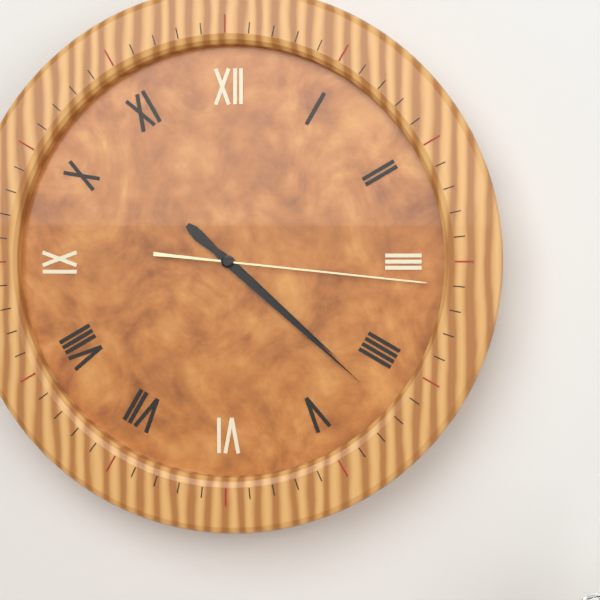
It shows {"hour": 4, "minute": 22, "second": 16}
